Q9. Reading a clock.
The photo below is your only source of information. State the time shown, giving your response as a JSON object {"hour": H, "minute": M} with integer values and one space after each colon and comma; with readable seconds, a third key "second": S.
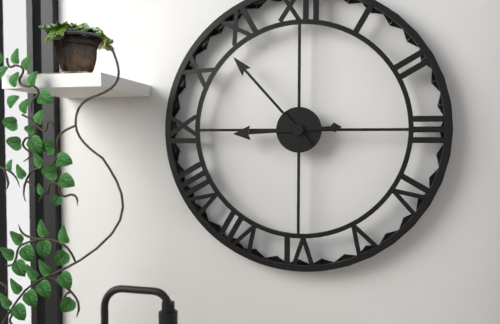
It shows {"hour": 8, "minute": 53}
